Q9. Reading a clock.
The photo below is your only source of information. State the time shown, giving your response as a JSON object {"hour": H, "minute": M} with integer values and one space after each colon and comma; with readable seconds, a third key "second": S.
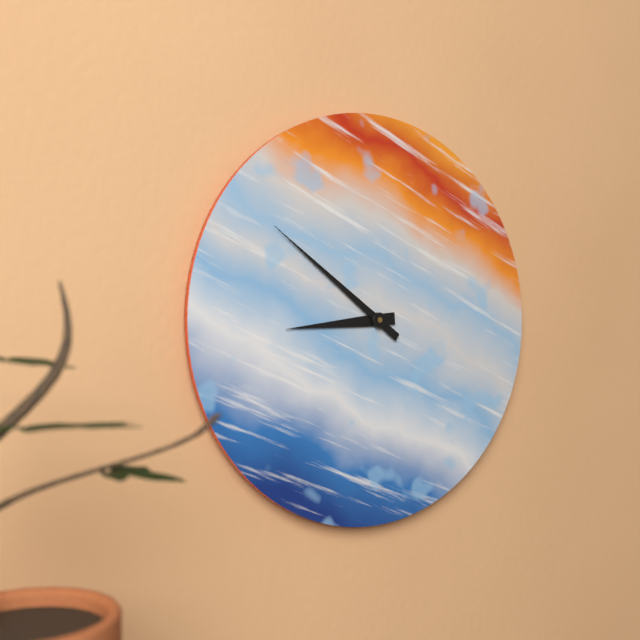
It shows {"hour": 8, "minute": 51}
